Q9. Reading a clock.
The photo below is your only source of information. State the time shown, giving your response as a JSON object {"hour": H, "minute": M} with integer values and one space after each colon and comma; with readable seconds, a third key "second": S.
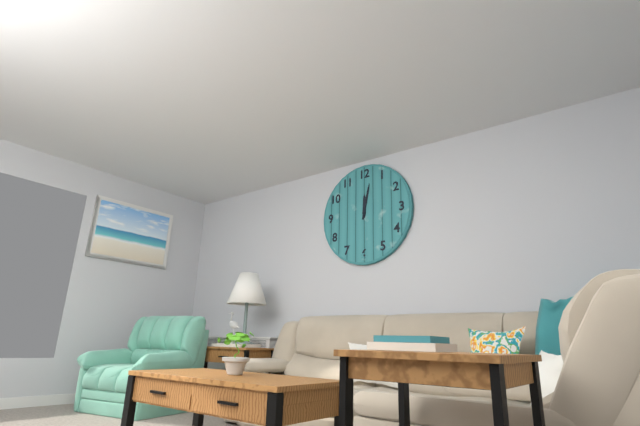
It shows {"hour": 12, "minute": 2}
